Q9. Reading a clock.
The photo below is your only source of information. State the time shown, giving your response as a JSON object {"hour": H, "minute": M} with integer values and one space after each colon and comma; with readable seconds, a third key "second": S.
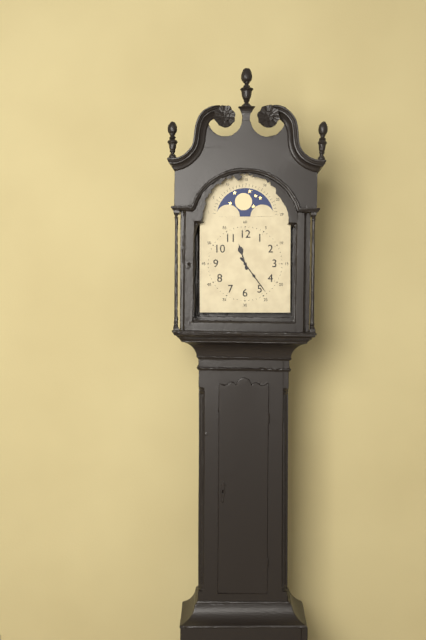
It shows {"hour": 11, "minute": 24}
